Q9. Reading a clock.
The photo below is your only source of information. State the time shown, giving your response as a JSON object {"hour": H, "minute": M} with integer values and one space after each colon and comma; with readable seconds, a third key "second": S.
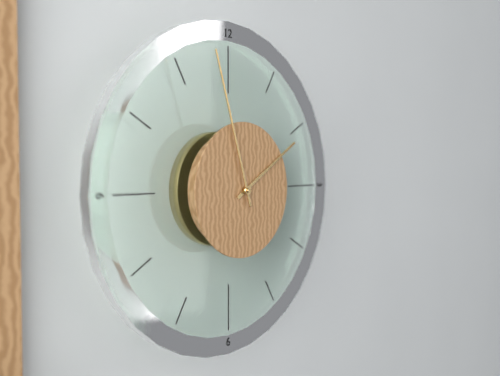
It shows {"hour": 1, "minute": 57}
